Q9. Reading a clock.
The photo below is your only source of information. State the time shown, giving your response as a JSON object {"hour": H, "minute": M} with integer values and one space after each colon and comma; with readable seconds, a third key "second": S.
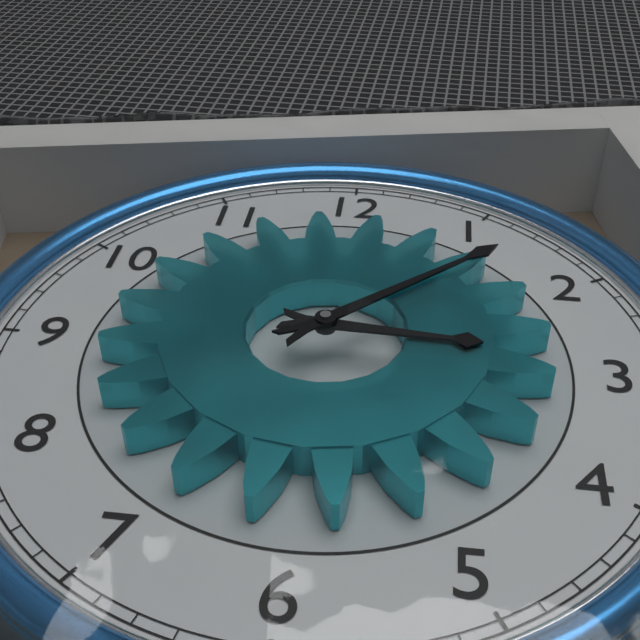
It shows {"hour": 3, "minute": 8}
